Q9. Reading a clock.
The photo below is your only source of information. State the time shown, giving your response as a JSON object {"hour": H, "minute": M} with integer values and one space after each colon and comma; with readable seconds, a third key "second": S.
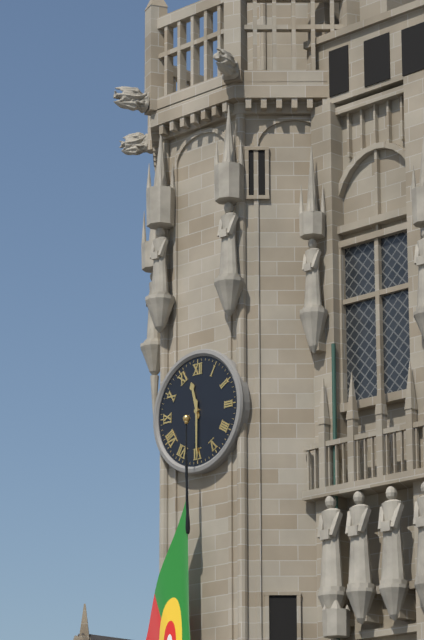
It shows {"hour": 11, "minute": 30}
